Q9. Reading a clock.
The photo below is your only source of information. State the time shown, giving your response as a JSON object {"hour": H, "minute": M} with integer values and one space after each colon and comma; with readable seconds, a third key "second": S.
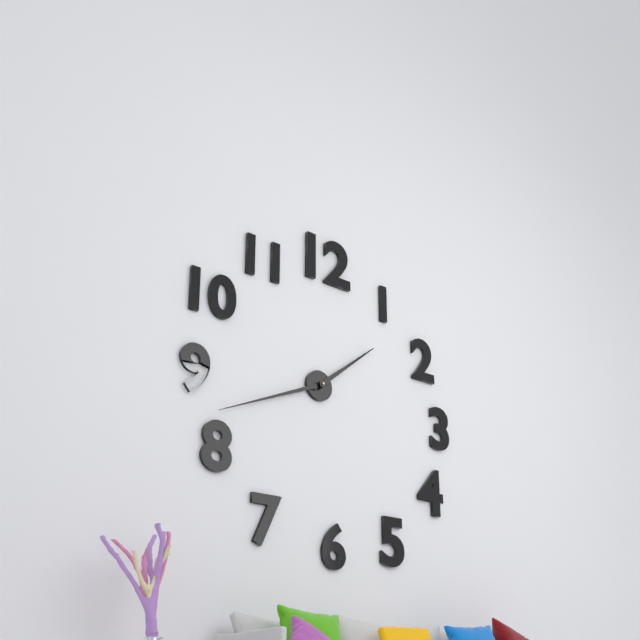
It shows {"hour": 1, "minute": 41}
